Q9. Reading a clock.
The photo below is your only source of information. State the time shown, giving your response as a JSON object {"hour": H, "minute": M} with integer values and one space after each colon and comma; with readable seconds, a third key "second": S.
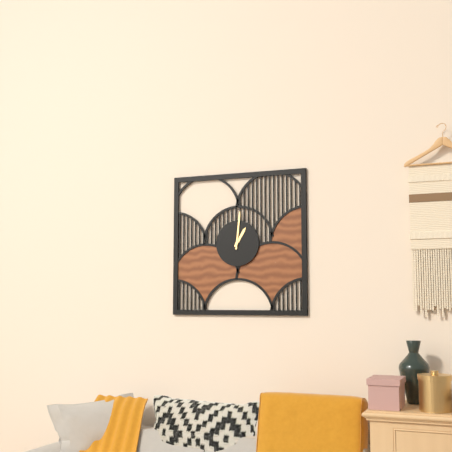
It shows {"hour": 1, "minute": 1}
